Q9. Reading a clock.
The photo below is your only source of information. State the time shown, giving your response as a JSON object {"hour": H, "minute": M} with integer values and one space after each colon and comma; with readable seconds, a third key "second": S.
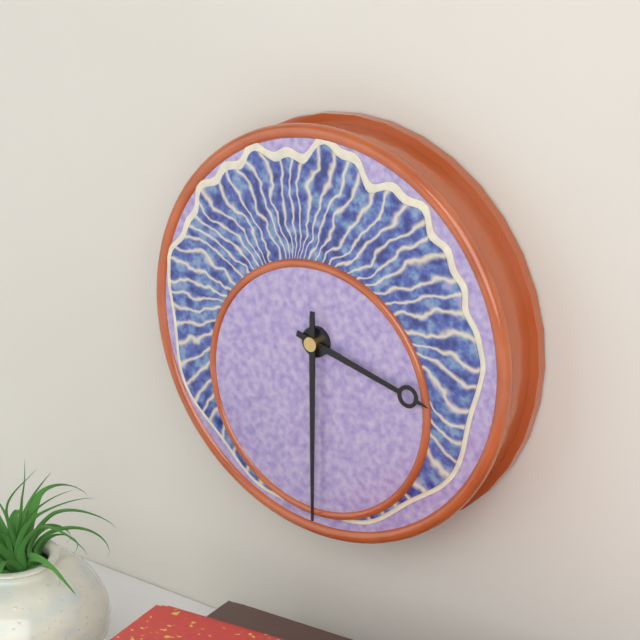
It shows {"hour": 3, "minute": 30}
